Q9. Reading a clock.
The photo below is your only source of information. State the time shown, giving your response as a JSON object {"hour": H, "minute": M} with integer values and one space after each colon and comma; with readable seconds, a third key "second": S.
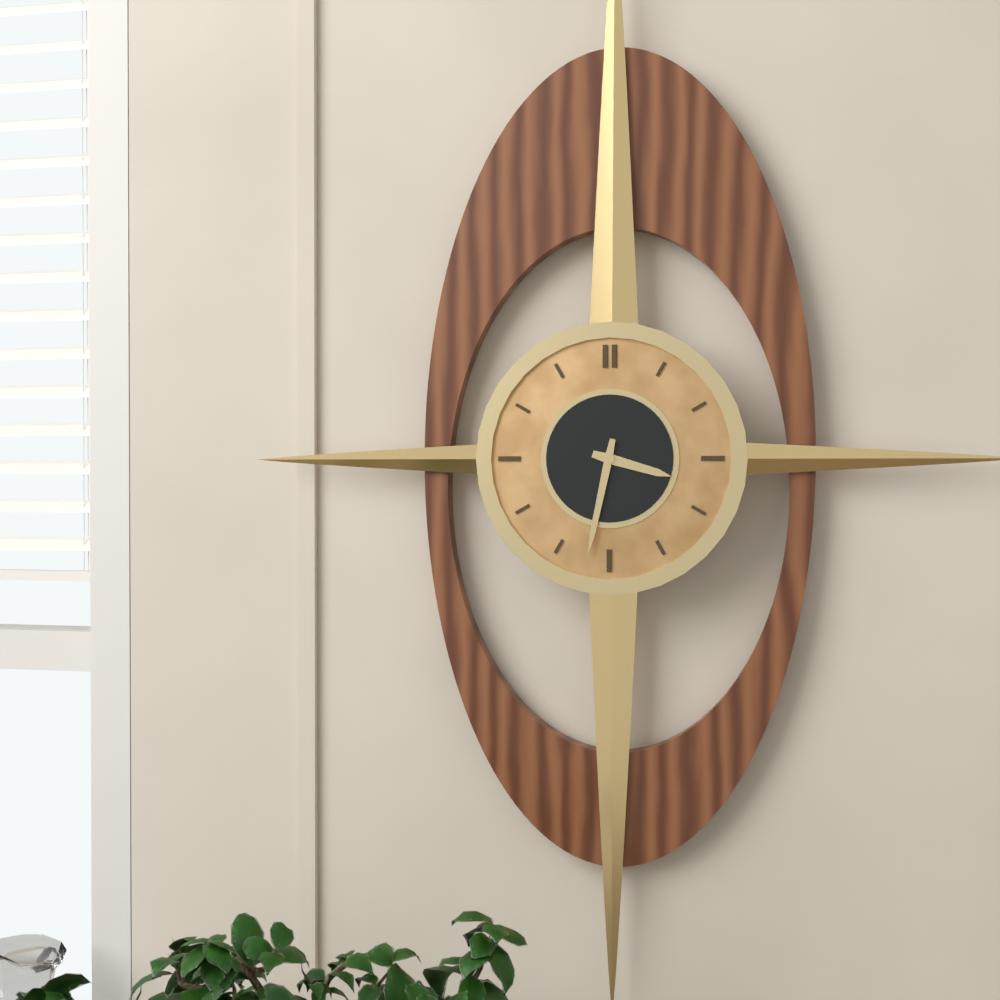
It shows {"hour": 3, "minute": 32}
